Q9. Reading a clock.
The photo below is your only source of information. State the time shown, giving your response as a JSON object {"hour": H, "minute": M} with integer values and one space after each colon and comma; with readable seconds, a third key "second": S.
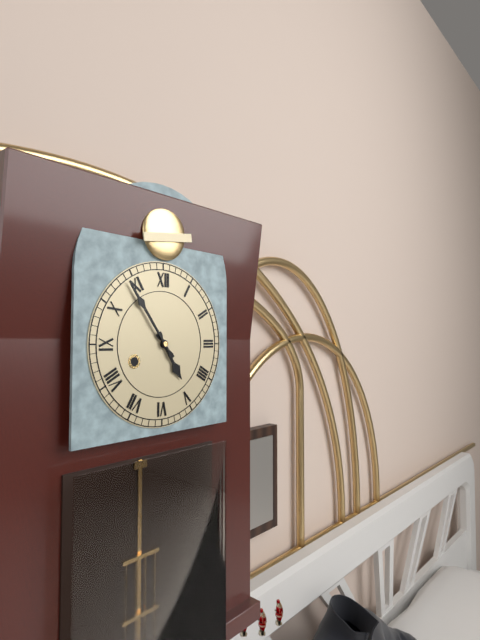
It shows {"hour": 4, "minute": 54}
